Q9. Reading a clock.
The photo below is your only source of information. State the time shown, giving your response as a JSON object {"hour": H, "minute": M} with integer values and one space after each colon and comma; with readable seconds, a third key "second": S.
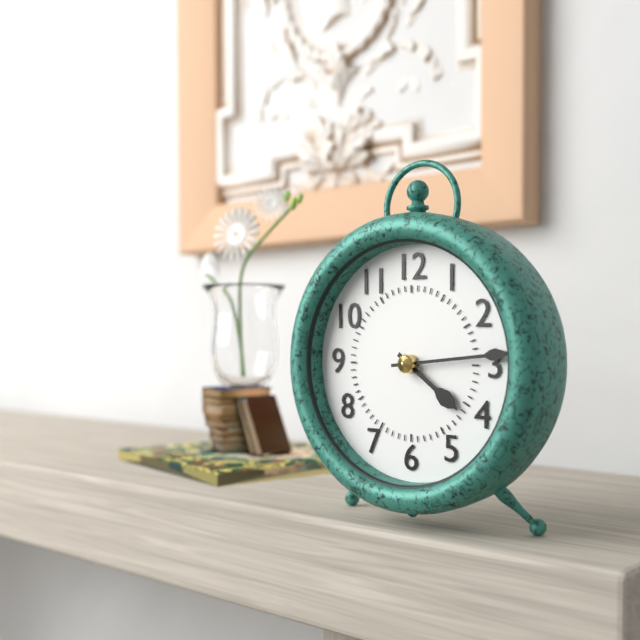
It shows {"hour": 4, "minute": 14}
